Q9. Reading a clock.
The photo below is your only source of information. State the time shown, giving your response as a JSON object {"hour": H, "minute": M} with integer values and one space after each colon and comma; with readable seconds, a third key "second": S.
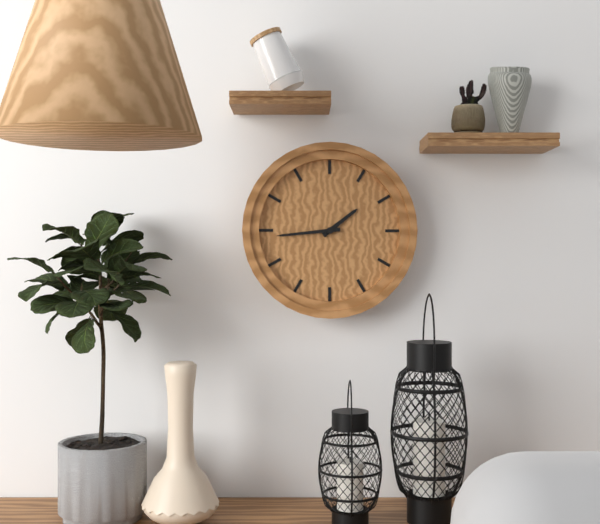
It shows {"hour": 1, "minute": 44}
